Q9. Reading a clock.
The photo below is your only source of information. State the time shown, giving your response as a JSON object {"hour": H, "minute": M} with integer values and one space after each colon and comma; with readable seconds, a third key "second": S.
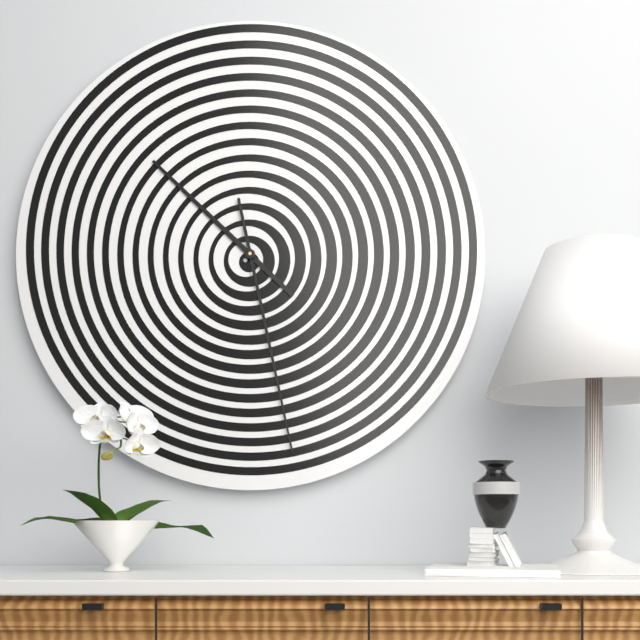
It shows {"hour": 10, "minute": 28}
